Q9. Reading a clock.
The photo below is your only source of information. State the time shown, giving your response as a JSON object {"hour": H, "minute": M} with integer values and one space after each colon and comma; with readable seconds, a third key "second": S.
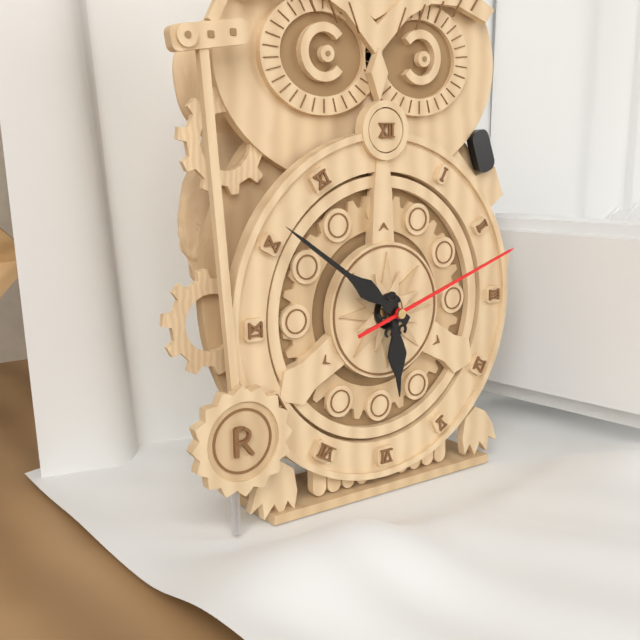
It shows {"hour": 5, "minute": 51, "second": 12}
